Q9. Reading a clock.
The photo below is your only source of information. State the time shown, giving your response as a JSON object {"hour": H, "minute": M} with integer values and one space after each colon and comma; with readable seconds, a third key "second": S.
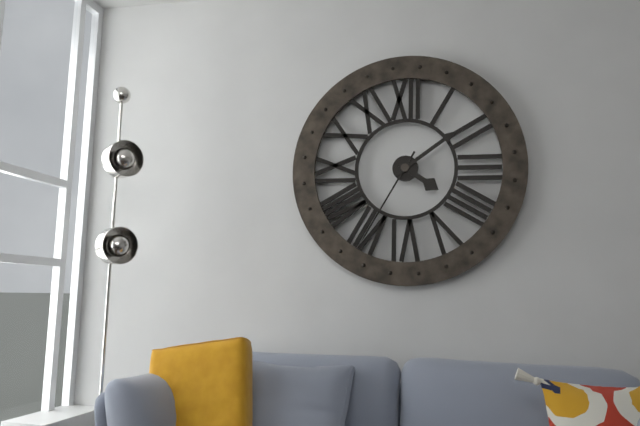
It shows {"hour": 4, "minute": 9, "second": 35}
